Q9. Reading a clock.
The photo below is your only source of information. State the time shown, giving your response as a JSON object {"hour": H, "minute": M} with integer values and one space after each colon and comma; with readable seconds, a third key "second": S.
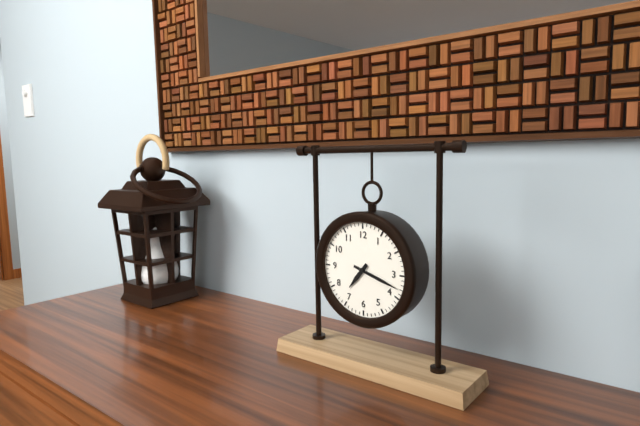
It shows {"hour": 7, "minute": 18}
